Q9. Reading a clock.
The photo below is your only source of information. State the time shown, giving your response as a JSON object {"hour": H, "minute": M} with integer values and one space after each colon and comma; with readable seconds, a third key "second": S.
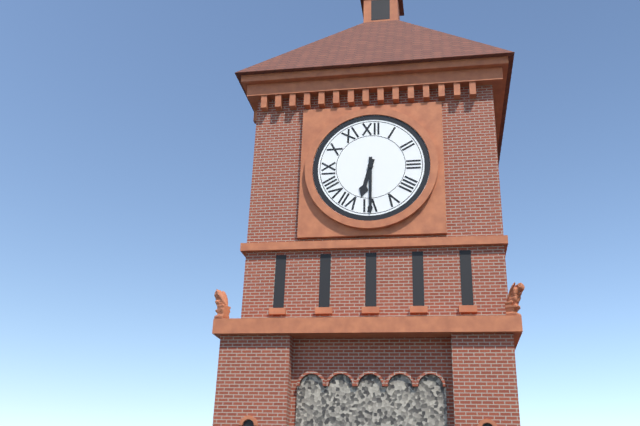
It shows {"hour": 6, "minute": 30}
